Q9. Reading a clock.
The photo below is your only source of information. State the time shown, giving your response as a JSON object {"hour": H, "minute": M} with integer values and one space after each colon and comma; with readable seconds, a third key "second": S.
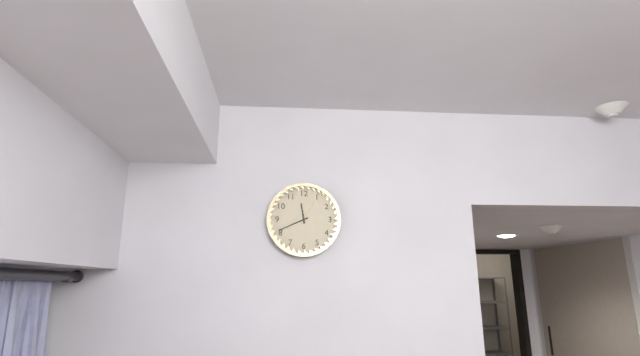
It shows {"hour": 11, "minute": 41}
